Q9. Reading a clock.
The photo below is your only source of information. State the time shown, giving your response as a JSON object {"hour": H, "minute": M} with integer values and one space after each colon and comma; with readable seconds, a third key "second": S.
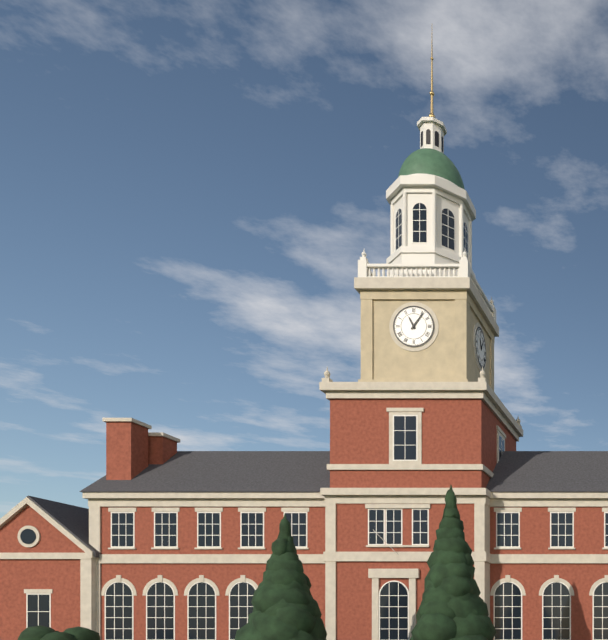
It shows {"hour": 11, "minute": 6}
